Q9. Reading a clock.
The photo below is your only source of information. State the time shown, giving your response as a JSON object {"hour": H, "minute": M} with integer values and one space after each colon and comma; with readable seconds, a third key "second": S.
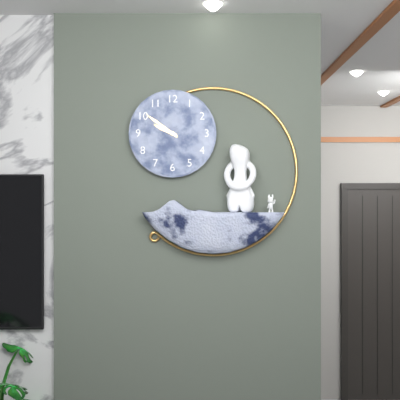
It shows {"hour": 9, "minute": 51}
